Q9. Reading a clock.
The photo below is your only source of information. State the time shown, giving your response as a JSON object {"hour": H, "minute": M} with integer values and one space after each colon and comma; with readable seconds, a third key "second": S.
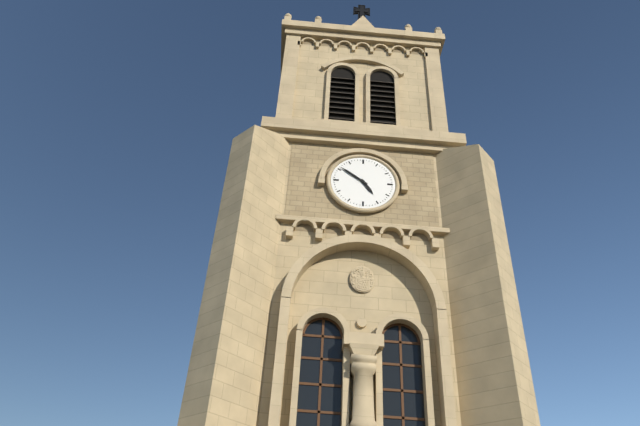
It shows {"hour": 4, "minute": 51}
